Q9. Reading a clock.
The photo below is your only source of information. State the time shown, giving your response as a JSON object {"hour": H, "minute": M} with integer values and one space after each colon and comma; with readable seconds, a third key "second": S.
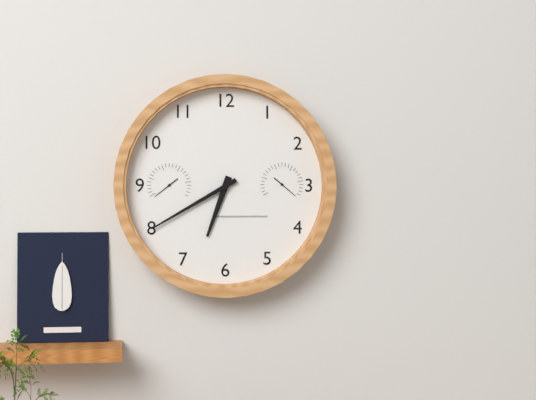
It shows {"hour": 6, "minute": 40}
